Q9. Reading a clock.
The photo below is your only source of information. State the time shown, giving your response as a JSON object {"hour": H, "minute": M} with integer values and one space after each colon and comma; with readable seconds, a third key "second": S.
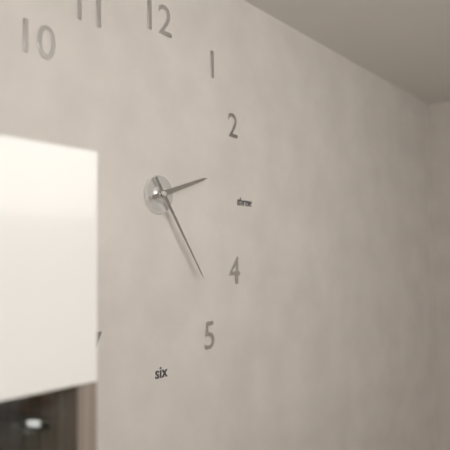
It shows {"hour": 2, "minute": 24}
